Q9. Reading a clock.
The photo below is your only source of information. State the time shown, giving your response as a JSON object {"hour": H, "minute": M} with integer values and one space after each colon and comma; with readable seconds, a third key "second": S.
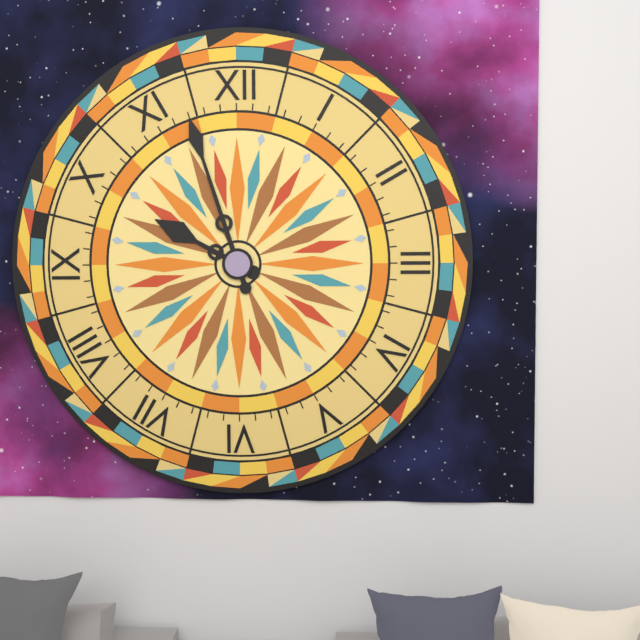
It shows {"hour": 9, "minute": 57}
